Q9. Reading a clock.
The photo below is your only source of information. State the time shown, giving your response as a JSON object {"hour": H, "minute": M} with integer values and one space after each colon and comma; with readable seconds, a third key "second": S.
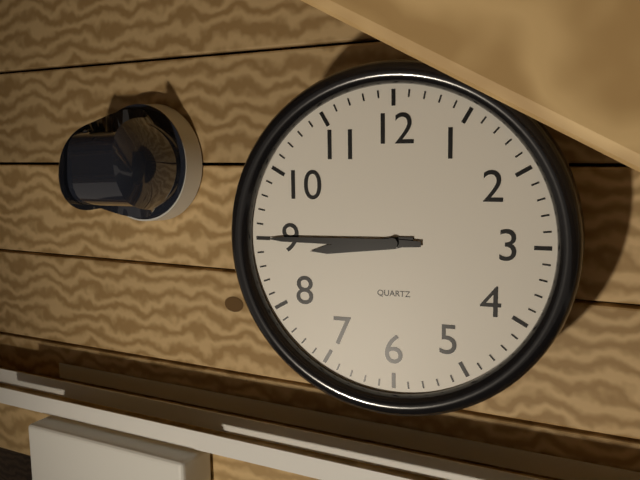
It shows {"hour": 8, "minute": 45}
